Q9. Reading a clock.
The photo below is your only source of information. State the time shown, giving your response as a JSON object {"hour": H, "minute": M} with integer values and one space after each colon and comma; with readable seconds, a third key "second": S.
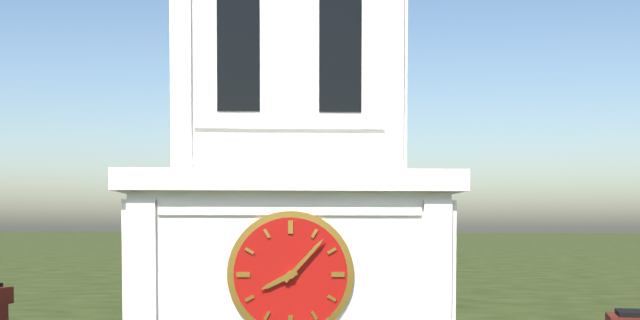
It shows {"hour": 8, "minute": 7}
